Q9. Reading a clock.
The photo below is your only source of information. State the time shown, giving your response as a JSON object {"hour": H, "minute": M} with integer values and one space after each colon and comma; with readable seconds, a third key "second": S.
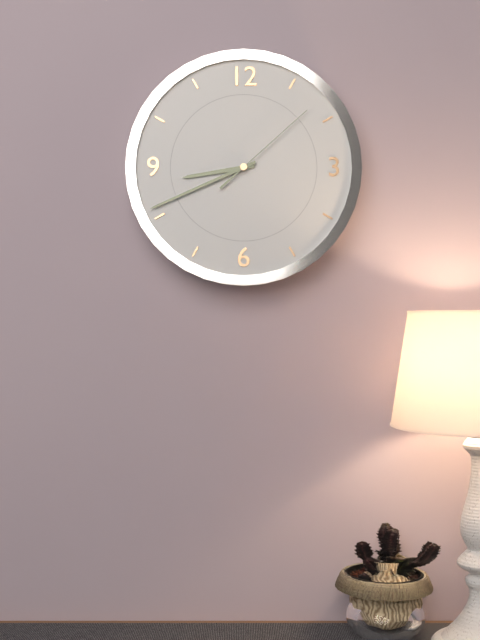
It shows {"hour": 8, "minute": 41, "second": 8}
